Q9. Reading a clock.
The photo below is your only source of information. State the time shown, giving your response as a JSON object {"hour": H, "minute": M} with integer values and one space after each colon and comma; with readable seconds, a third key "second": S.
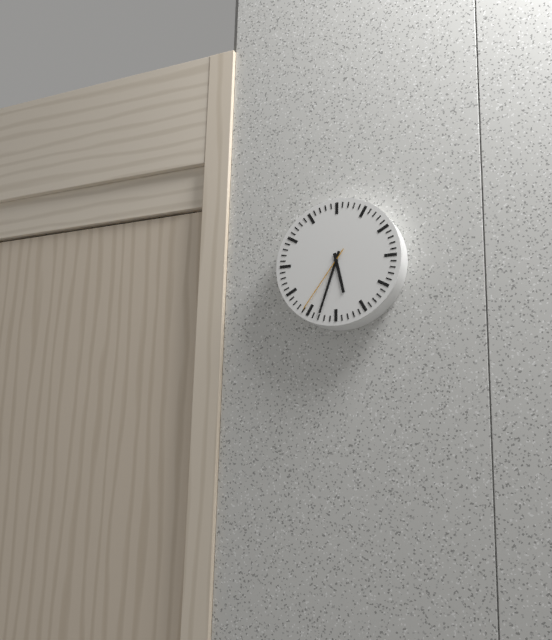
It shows {"hour": 5, "minute": 33, "second": 36}
